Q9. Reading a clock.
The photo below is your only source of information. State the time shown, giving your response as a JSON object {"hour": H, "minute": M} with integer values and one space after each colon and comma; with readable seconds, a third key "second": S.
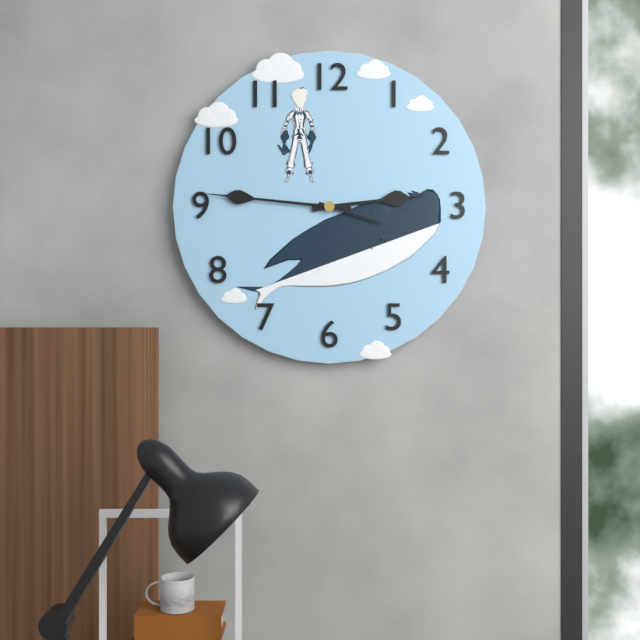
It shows {"hour": 2, "minute": 46, "second": 18}
